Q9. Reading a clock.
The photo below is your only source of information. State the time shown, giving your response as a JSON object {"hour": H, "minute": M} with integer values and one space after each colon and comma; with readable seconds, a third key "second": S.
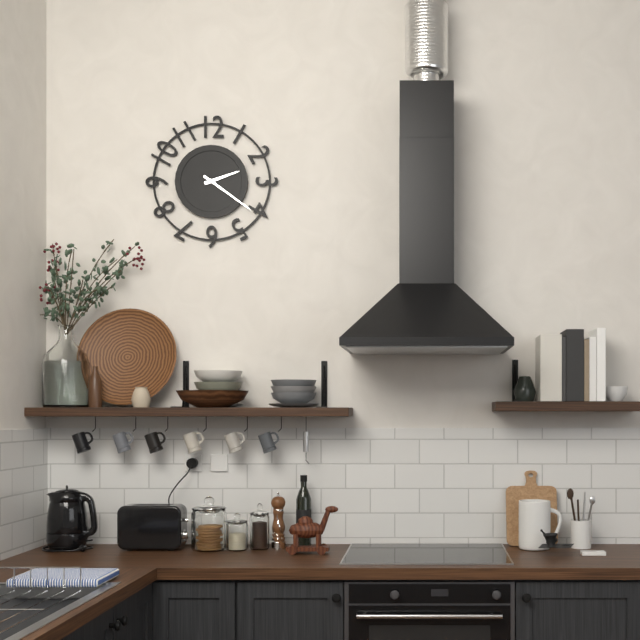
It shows {"hour": 2, "minute": 21}
